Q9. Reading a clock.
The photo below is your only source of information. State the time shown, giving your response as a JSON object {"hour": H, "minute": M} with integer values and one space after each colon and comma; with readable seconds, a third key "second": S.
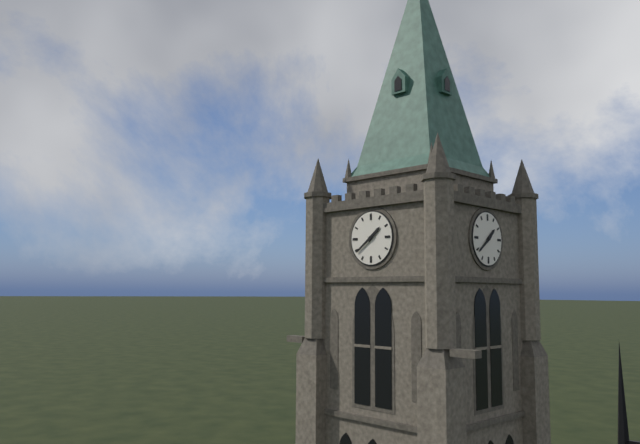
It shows {"hour": 1, "minute": 39}
